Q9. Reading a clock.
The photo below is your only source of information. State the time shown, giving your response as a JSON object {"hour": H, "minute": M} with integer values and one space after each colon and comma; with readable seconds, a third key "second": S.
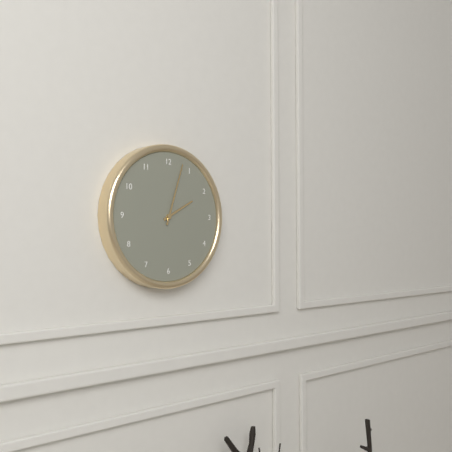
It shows {"hour": 2, "minute": 3}
